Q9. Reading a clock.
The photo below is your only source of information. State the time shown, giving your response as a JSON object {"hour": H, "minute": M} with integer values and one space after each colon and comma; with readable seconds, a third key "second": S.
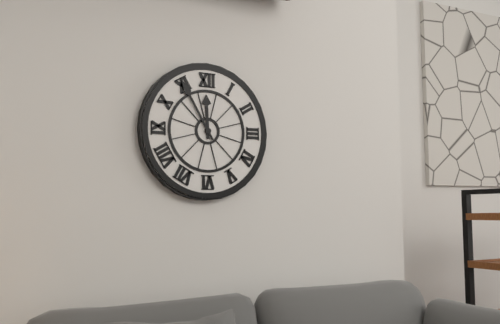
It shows {"hour": 11, "minute": 55}
